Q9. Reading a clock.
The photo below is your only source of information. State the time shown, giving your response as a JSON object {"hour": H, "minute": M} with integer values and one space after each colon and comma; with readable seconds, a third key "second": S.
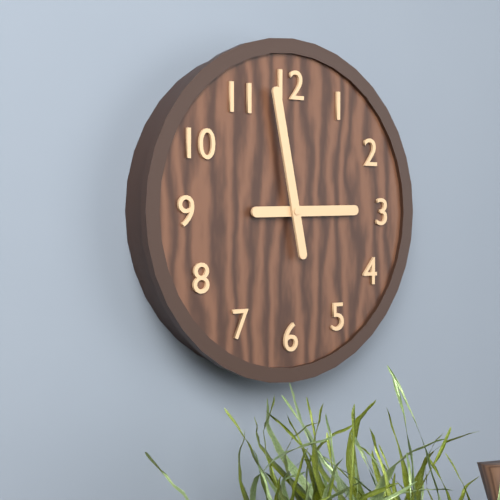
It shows {"hour": 2, "minute": 58}
